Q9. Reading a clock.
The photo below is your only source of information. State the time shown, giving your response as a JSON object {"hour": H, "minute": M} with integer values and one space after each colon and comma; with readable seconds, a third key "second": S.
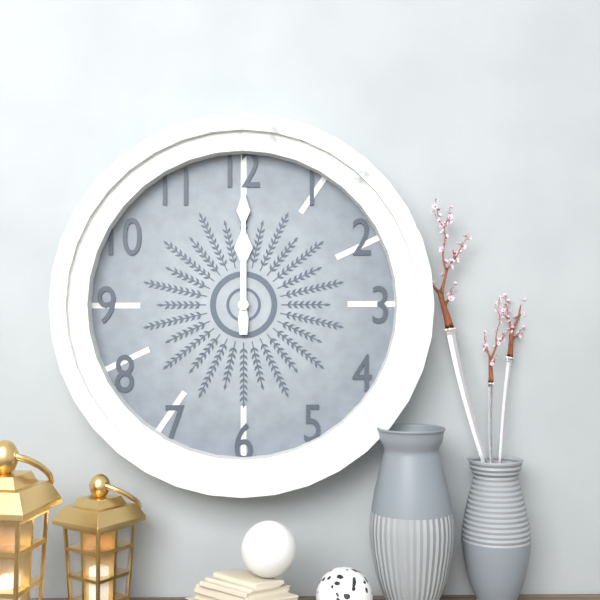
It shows {"hour": 12, "minute": 0}
